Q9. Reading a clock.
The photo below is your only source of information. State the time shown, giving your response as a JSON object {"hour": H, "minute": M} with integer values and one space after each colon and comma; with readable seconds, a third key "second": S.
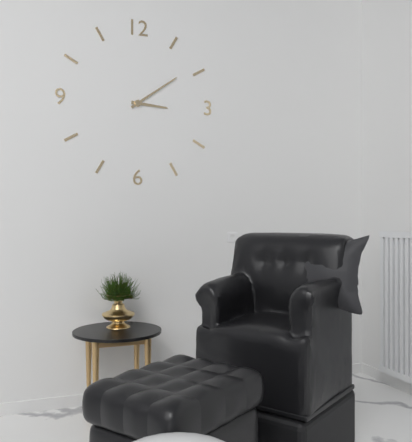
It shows {"hour": 3, "minute": 9}
